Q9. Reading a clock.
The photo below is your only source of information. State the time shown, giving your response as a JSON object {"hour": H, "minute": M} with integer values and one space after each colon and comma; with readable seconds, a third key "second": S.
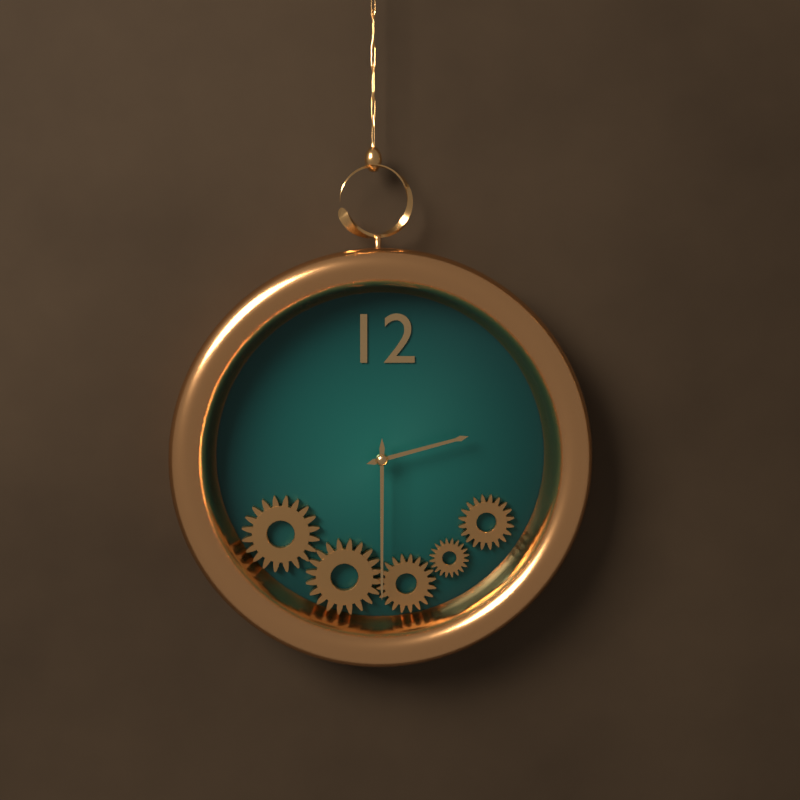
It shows {"hour": 2, "minute": 30}
